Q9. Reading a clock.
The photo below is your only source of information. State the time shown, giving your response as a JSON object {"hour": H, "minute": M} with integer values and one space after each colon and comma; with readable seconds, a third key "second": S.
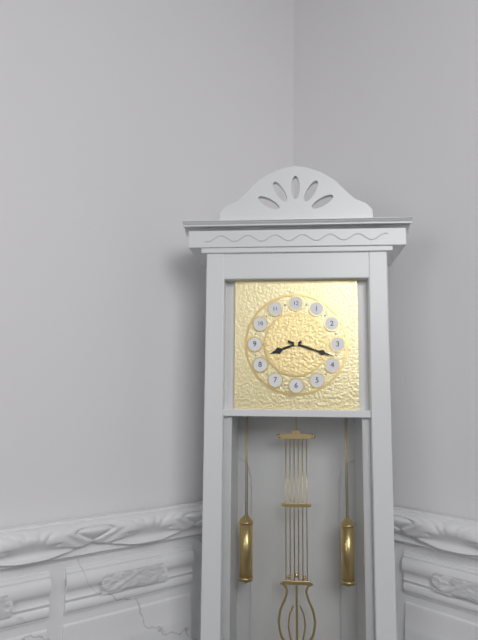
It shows {"hour": 8, "minute": 18}
